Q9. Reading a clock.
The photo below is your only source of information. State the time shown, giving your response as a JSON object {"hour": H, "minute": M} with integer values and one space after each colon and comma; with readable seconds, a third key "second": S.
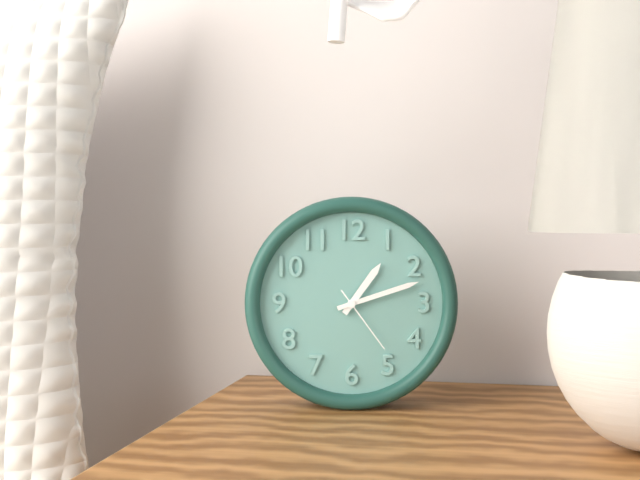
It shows {"hour": 1, "minute": 12, "second": 24}
